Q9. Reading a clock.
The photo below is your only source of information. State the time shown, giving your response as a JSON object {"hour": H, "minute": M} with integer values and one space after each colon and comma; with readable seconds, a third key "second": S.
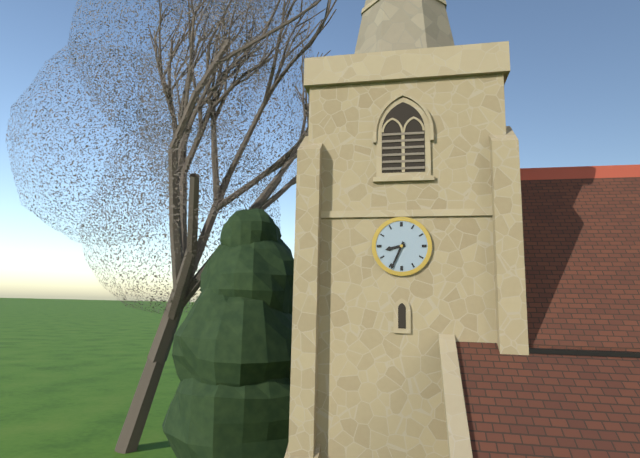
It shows {"hour": 8, "minute": 34}
